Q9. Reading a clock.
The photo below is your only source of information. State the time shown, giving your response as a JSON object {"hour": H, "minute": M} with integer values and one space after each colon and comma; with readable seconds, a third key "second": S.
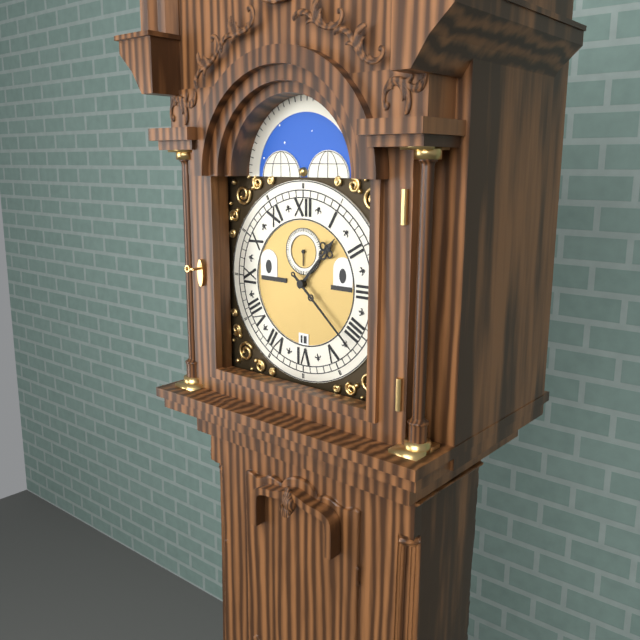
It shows {"hour": 1, "minute": 22}
